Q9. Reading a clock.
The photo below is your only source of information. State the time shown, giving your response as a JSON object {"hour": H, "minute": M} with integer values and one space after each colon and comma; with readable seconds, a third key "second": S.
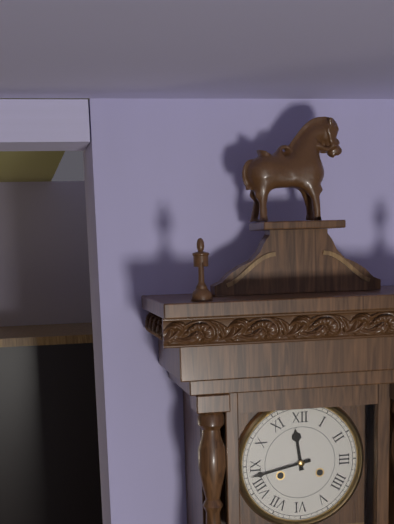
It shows {"hour": 11, "minute": 43}
